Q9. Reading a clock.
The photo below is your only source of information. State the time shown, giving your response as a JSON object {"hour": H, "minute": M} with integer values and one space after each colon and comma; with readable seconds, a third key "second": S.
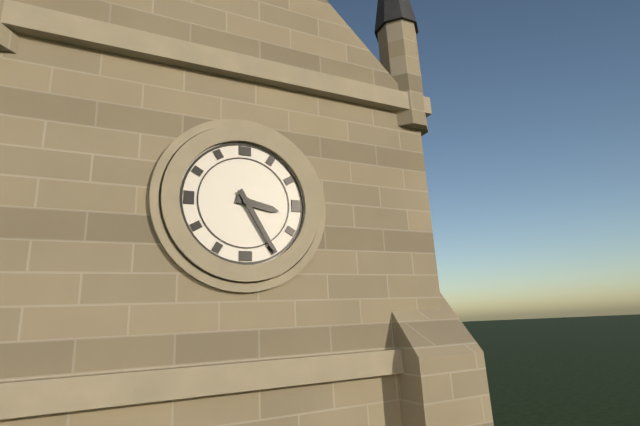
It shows {"hour": 3, "minute": 25}
